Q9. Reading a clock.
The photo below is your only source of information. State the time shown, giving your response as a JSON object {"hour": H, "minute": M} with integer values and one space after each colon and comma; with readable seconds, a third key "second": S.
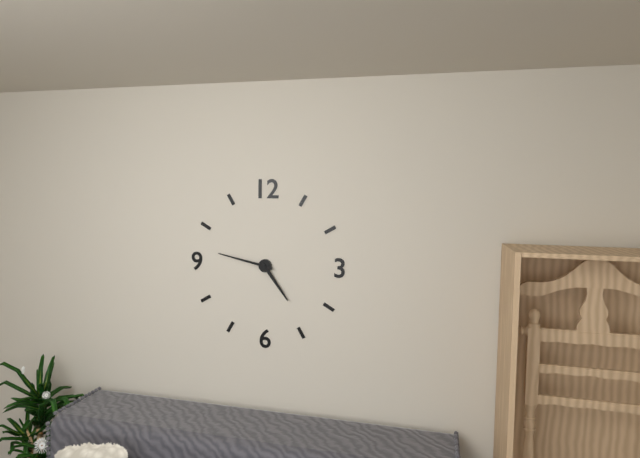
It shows {"hour": 4, "minute": 47}
